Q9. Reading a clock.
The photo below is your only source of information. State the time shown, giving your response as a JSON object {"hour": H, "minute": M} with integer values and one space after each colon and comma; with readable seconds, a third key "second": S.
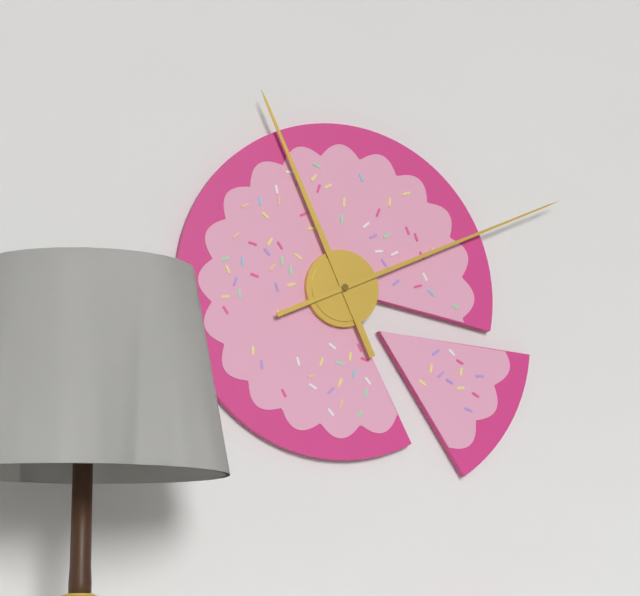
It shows {"hour": 11, "minute": 11}
